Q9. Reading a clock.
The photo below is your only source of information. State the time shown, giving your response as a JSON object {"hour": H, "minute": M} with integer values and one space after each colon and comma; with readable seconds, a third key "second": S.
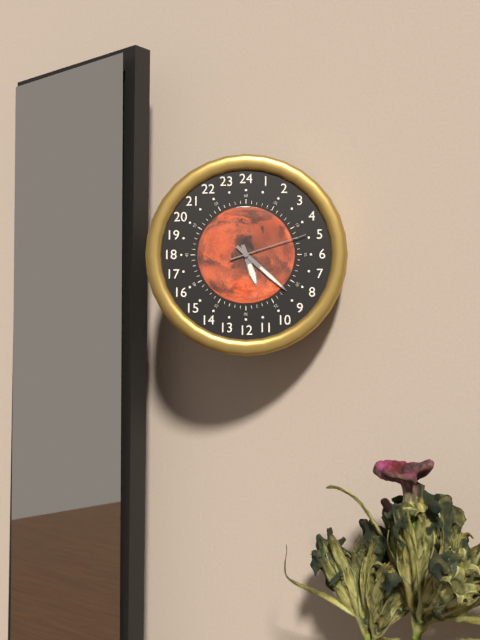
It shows {"hour": 5, "minute": 22, "second": 12}
